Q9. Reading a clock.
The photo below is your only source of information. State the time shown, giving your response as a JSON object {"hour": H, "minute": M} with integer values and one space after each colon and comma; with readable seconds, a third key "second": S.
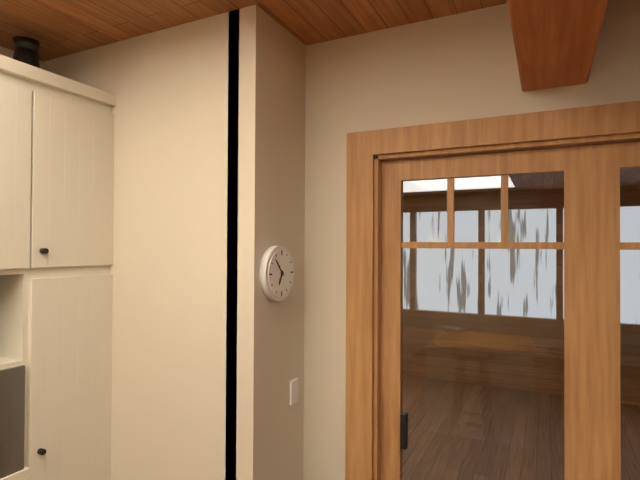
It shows {"hour": 6, "minute": 53}
